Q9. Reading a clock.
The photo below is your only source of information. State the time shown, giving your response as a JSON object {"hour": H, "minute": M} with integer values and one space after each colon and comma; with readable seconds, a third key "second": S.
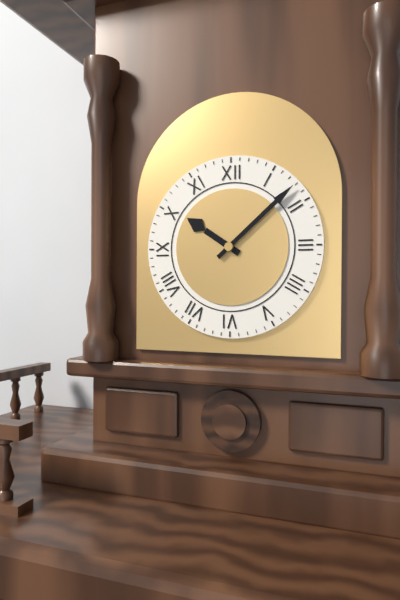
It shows {"hour": 10, "minute": 8}
